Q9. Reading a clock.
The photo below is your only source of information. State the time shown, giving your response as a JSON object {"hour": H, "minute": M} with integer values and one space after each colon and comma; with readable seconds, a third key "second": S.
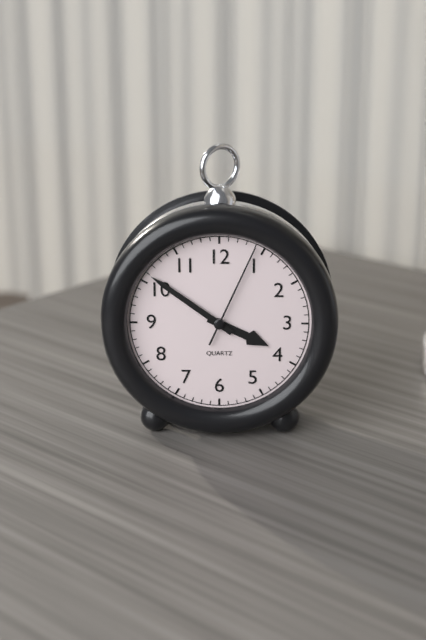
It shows {"hour": 3, "minute": 51, "second": 4}
